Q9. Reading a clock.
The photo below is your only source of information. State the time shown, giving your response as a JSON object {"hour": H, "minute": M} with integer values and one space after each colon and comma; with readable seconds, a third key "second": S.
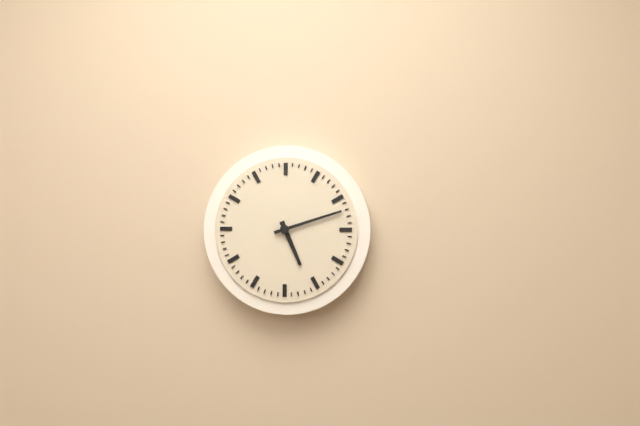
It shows {"hour": 5, "minute": 12}
